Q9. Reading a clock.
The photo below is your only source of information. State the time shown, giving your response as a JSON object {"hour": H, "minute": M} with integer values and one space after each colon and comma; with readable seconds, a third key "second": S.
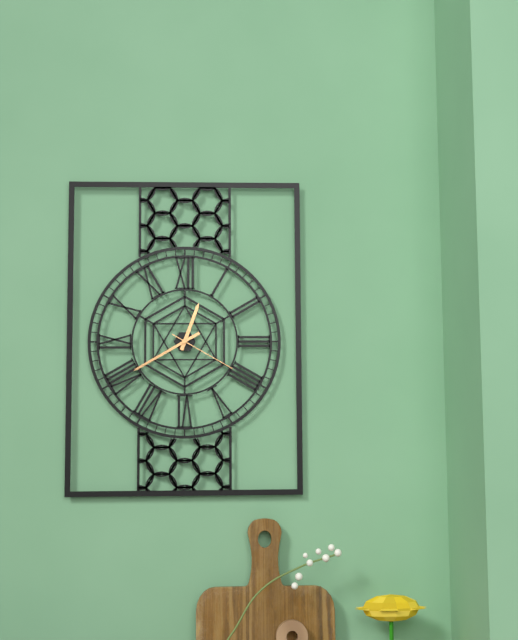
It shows {"hour": 12, "minute": 40, "second": 20}
